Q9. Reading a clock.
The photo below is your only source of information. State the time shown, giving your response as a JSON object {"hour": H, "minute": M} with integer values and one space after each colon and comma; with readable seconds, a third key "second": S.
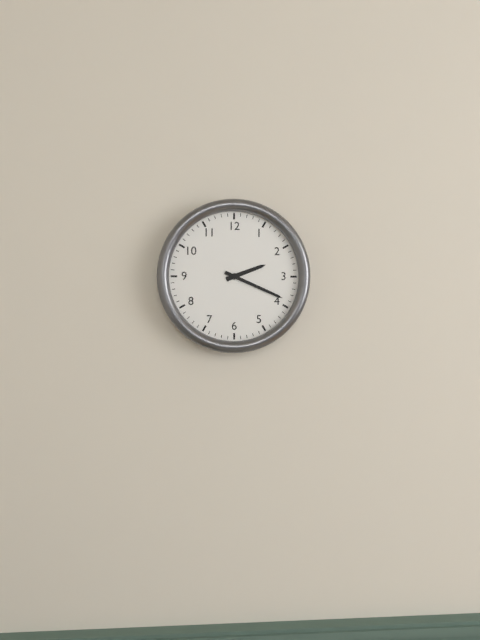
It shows {"hour": 2, "minute": 19}
